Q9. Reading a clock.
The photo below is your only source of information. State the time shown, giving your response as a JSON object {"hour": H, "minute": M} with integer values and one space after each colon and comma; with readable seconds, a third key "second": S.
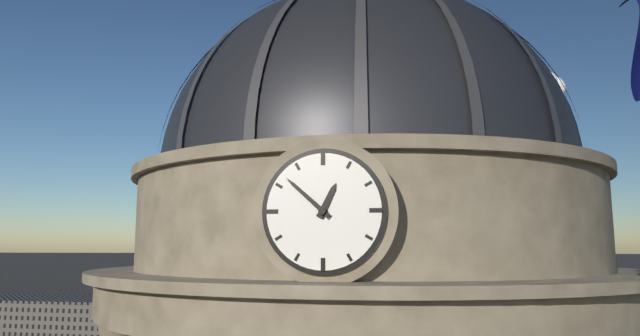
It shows {"hour": 12, "minute": 52}
